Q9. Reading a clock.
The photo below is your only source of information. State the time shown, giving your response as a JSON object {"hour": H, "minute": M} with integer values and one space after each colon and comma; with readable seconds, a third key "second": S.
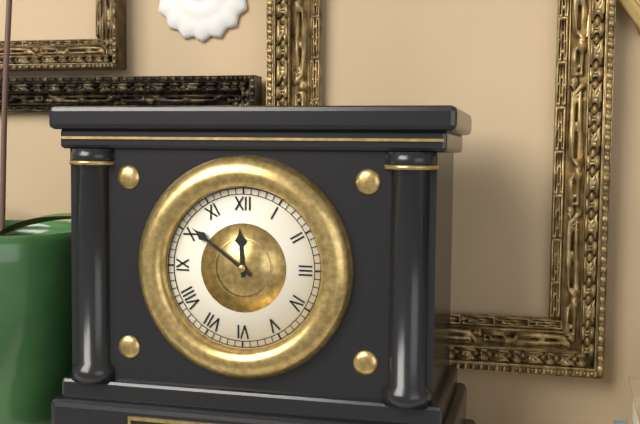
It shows {"hour": 11, "minute": 51}
